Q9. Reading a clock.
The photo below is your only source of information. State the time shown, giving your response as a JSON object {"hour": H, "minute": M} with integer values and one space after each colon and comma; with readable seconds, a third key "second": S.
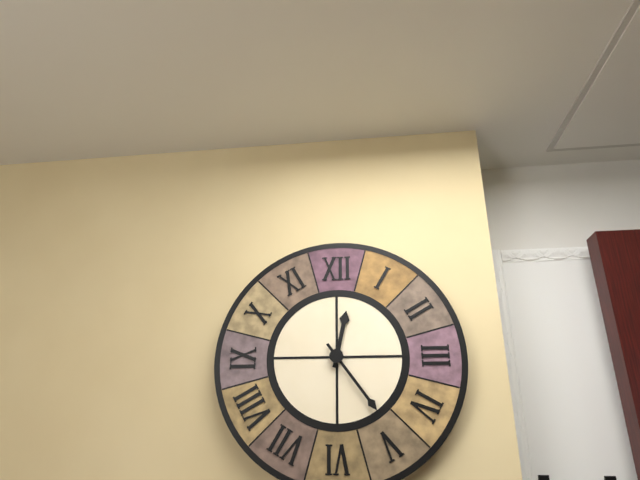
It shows {"hour": 12, "minute": 24}
